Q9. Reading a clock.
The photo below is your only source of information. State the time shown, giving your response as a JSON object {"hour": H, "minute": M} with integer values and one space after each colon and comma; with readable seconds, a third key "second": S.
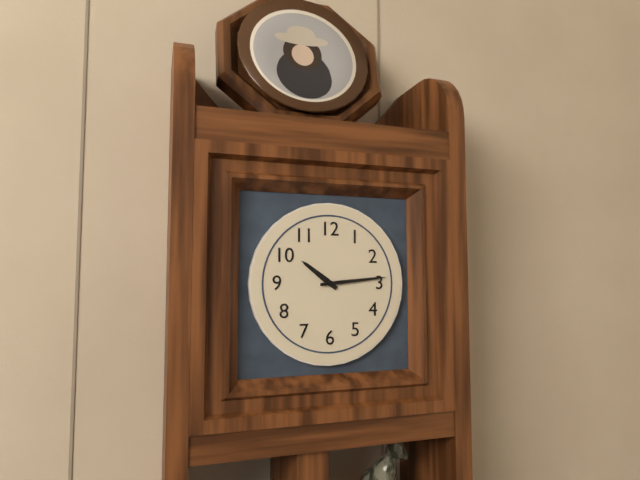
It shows {"hour": 10, "minute": 14}
